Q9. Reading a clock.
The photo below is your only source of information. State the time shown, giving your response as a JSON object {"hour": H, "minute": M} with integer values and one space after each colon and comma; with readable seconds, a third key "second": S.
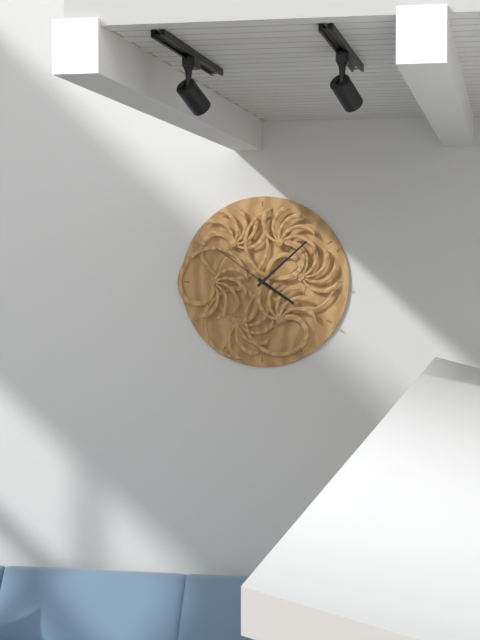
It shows {"hour": 4, "minute": 8, "second": 51}
